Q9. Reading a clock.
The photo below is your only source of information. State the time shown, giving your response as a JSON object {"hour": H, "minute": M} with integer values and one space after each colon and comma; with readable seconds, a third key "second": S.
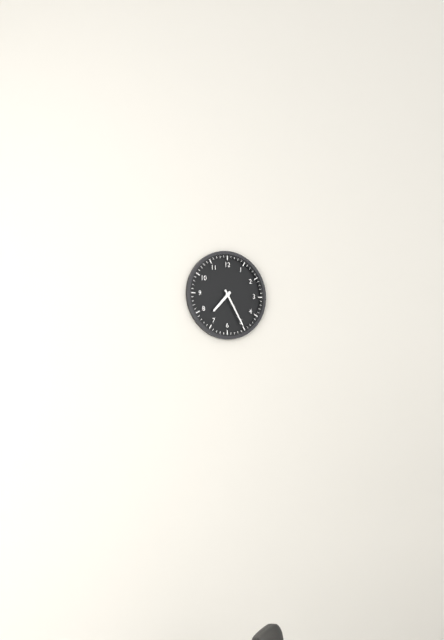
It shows {"hour": 7, "minute": 25}
